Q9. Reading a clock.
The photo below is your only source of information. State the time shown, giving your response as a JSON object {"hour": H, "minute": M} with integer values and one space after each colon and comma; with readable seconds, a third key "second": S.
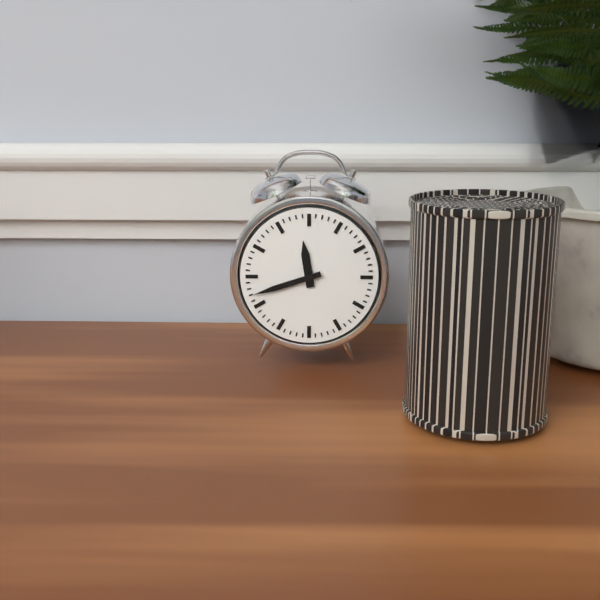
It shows {"hour": 11, "minute": 42}
